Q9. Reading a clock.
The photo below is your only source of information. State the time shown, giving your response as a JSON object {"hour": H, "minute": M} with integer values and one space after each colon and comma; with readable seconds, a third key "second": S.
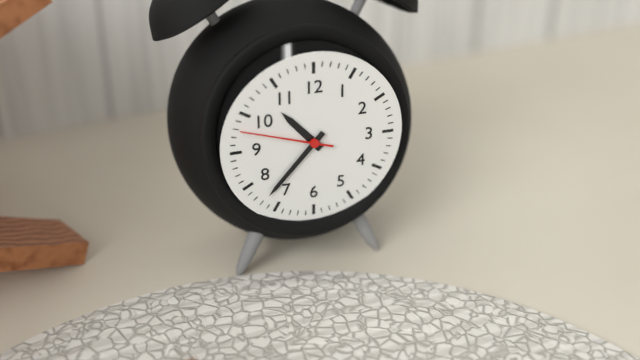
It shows {"hour": 10, "minute": 37, "second": 48}
